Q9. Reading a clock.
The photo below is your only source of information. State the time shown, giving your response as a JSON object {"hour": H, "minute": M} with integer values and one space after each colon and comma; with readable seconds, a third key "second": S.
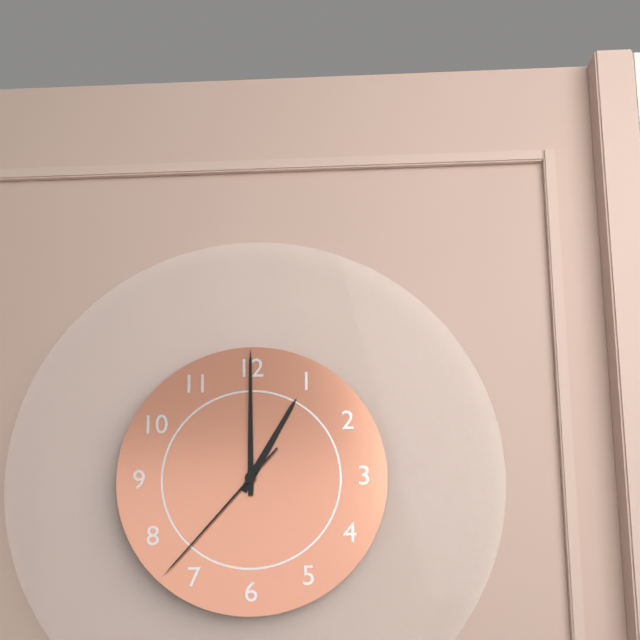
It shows {"hour": 1, "minute": 0, "second": 37}
